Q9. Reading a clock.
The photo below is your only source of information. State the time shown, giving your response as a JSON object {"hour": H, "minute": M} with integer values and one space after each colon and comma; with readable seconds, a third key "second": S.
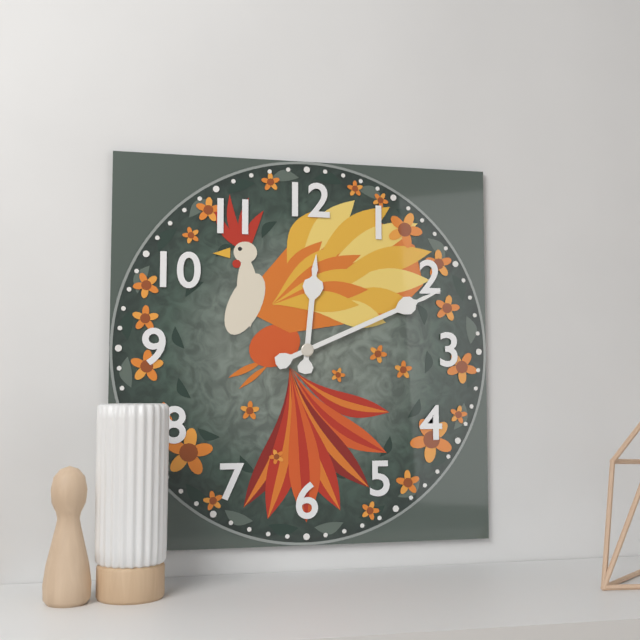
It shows {"hour": 12, "minute": 11}
